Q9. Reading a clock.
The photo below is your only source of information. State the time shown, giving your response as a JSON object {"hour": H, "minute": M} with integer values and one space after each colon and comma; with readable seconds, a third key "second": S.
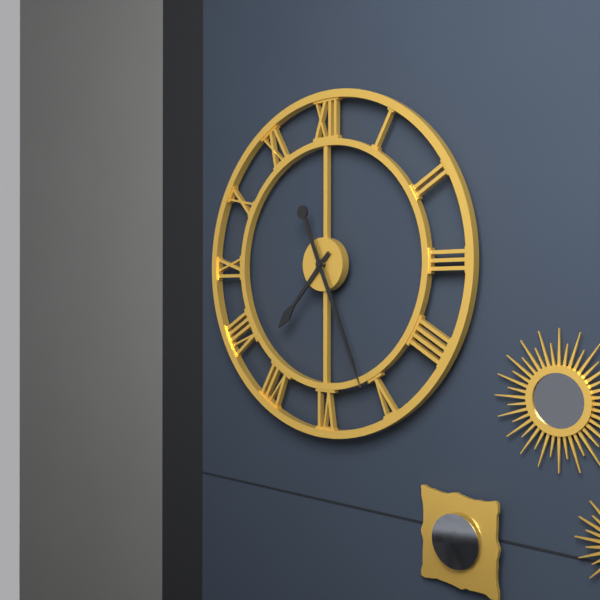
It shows {"hour": 7, "minute": 26}
